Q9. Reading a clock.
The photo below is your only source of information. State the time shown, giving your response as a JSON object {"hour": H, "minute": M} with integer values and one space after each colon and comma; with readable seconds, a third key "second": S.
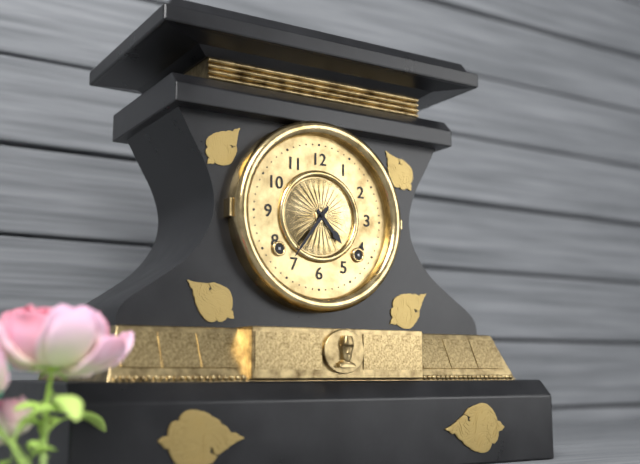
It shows {"hour": 4, "minute": 36}
